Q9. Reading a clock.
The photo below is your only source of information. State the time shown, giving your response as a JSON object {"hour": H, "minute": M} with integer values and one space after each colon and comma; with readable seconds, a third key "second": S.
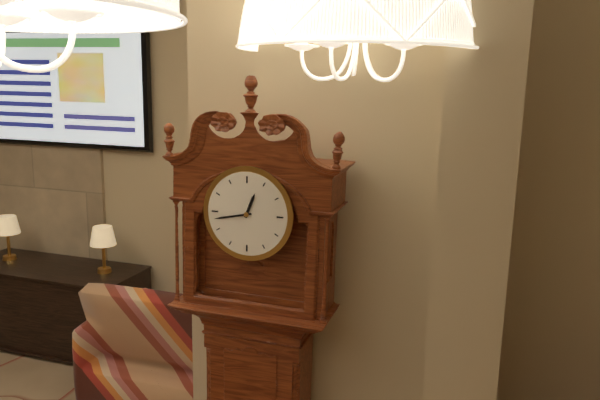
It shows {"hour": 12, "minute": 43}
